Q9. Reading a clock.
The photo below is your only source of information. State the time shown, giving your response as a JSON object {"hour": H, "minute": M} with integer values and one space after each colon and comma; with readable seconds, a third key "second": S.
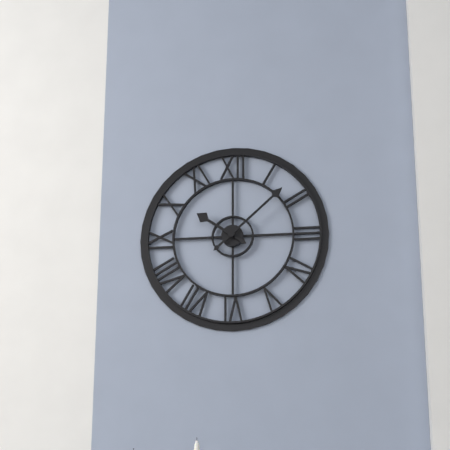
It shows {"hour": 10, "minute": 8}
